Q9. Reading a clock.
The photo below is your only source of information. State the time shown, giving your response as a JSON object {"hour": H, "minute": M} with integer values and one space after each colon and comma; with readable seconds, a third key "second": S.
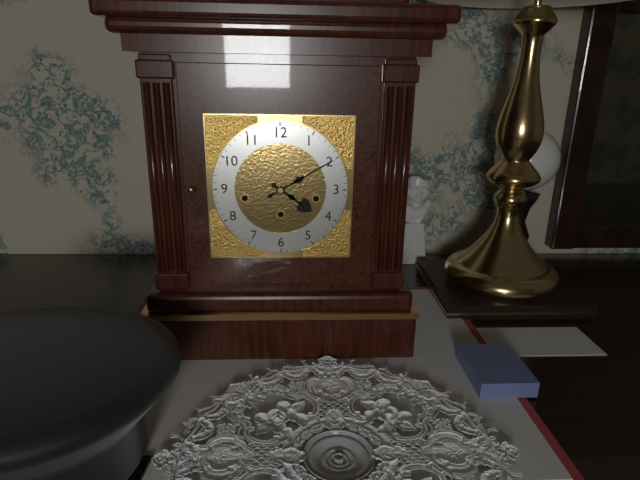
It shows {"hour": 4, "minute": 10}
